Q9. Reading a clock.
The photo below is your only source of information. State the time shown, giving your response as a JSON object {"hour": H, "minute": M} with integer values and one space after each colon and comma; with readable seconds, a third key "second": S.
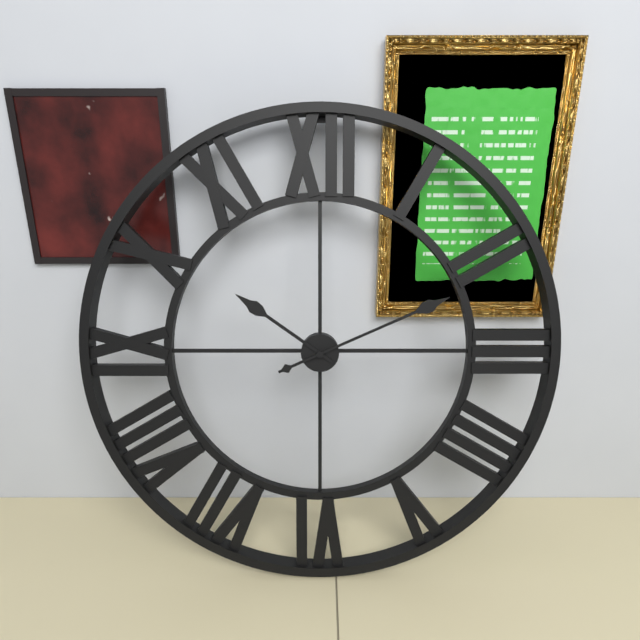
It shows {"hour": 10, "minute": 11}
